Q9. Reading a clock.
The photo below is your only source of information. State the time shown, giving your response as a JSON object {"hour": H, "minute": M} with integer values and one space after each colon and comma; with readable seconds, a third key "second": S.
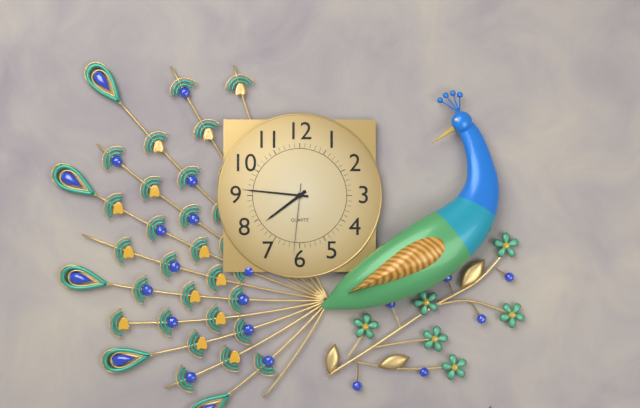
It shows {"hour": 7, "minute": 46, "second": 31}
